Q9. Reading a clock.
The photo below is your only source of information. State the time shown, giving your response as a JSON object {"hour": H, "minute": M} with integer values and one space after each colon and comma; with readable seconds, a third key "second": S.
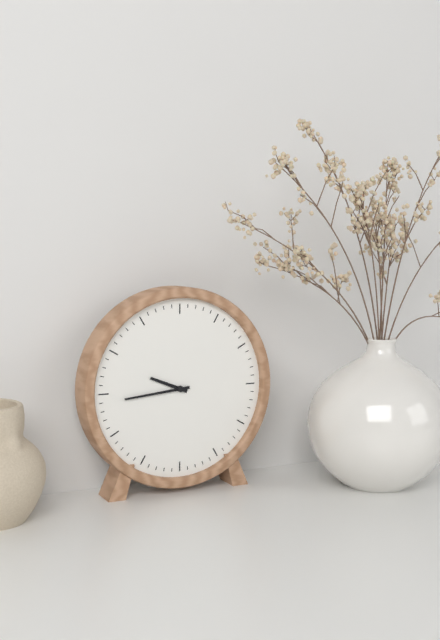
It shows {"hour": 9, "minute": 44}
